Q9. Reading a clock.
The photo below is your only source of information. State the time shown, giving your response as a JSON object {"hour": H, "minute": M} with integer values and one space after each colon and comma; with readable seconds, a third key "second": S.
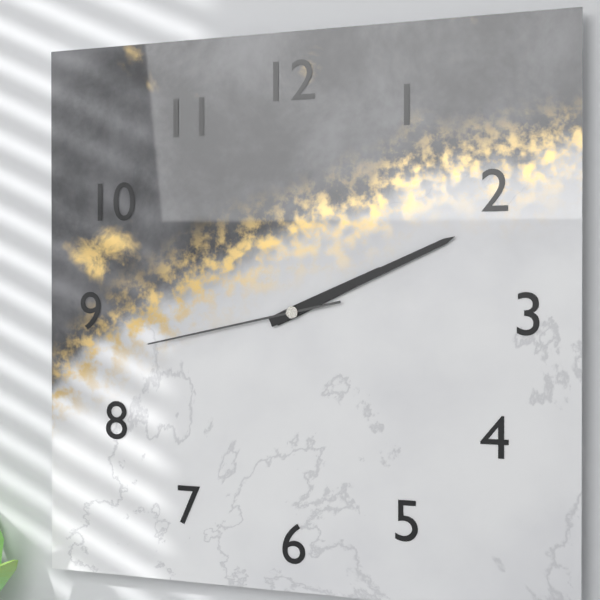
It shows {"hour": 2, "minute": 11, "second": 43}
